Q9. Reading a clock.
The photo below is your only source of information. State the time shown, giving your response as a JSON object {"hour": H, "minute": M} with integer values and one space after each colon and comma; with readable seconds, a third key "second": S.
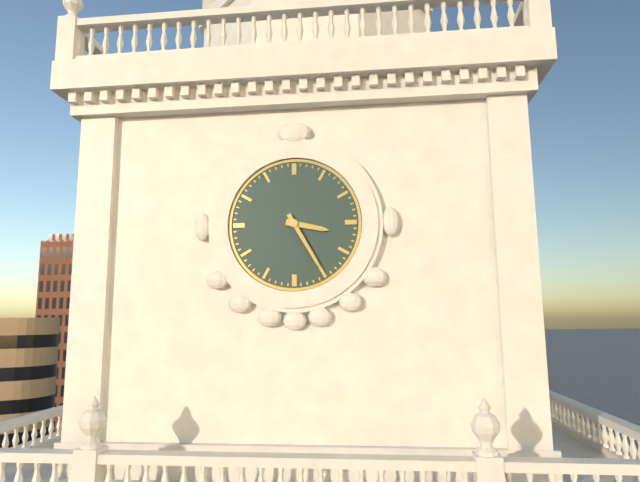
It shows {"hour": 3, "minute": 25}
